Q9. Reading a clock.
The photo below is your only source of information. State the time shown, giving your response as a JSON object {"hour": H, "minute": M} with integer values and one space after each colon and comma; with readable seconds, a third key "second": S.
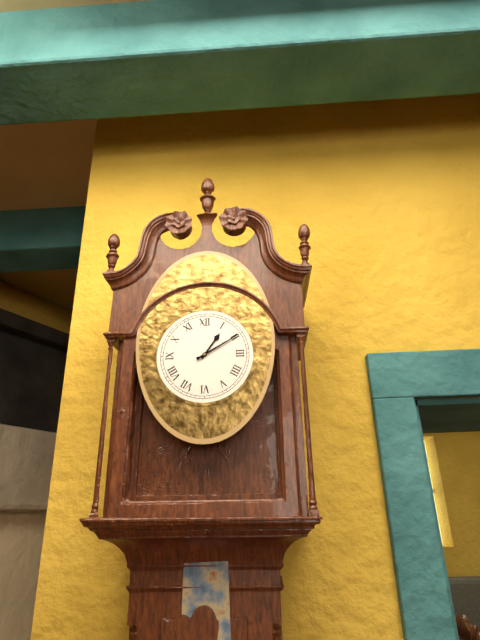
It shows {"hour": 1, "minute": 10}
